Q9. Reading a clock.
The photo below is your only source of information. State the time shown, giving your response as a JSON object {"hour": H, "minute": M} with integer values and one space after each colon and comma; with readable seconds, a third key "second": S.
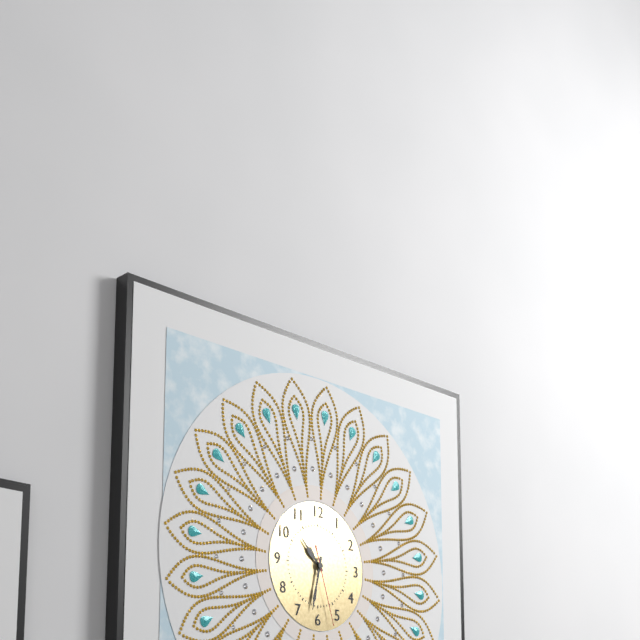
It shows {"hour": 10, "minute": 32, "second": 27}
